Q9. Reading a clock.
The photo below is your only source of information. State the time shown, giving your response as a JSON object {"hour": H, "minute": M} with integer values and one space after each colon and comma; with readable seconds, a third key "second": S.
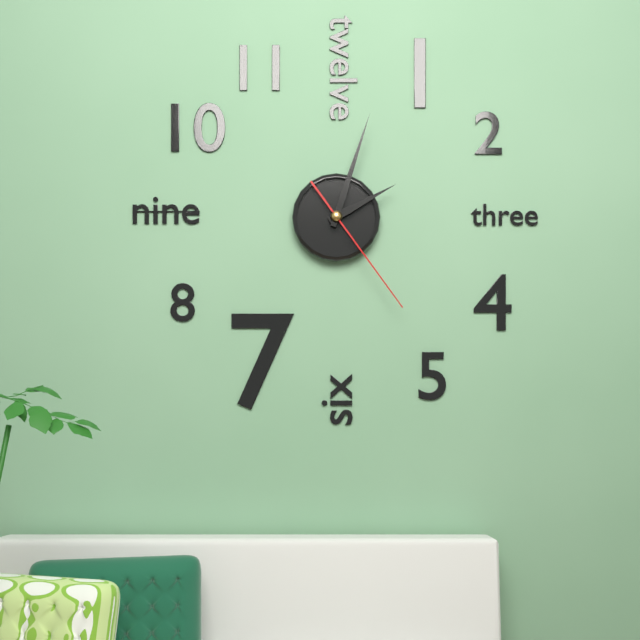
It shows {"hour": 2, "minute": 3, "second": 24}
